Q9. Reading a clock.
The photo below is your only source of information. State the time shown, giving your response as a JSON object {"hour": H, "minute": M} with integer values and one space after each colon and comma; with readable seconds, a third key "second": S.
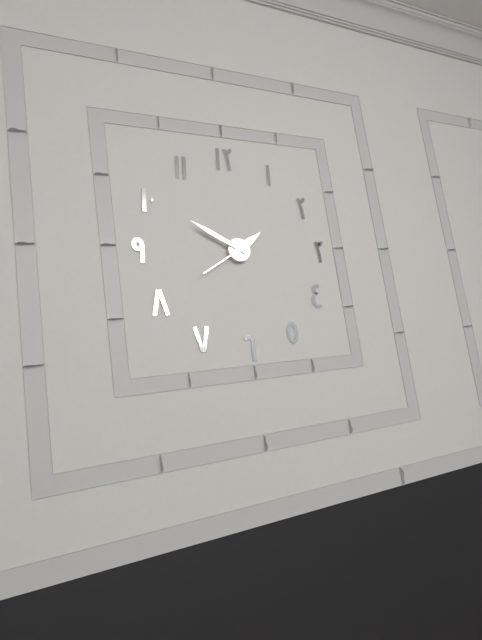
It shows {"hour": 1, "minute": 50, "second": 40}
